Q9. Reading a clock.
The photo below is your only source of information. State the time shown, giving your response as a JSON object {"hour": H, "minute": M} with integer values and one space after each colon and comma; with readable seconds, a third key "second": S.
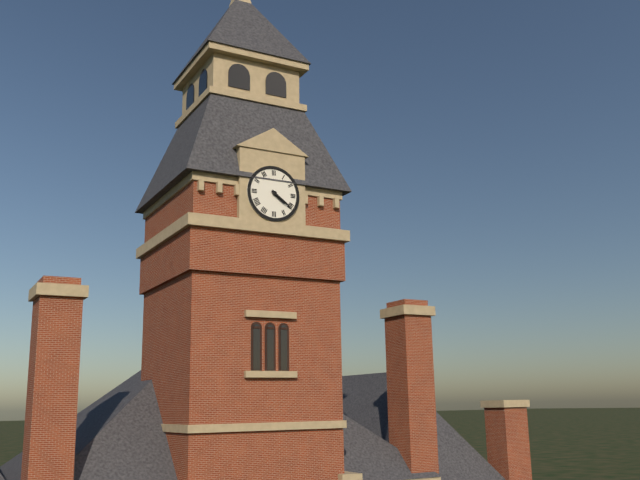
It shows {"hour": 4, "minute": 21}
